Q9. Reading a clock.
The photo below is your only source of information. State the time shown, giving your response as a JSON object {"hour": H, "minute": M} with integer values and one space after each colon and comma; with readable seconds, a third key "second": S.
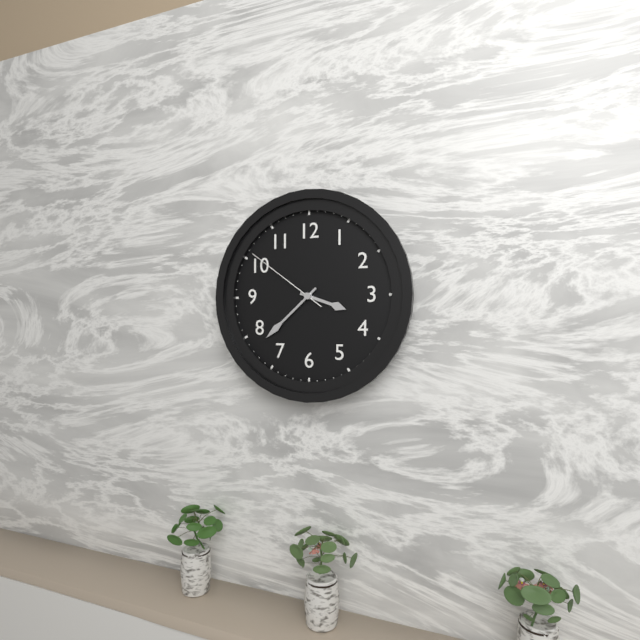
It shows {"hour": 3, "minute": 38, "second": 51}
